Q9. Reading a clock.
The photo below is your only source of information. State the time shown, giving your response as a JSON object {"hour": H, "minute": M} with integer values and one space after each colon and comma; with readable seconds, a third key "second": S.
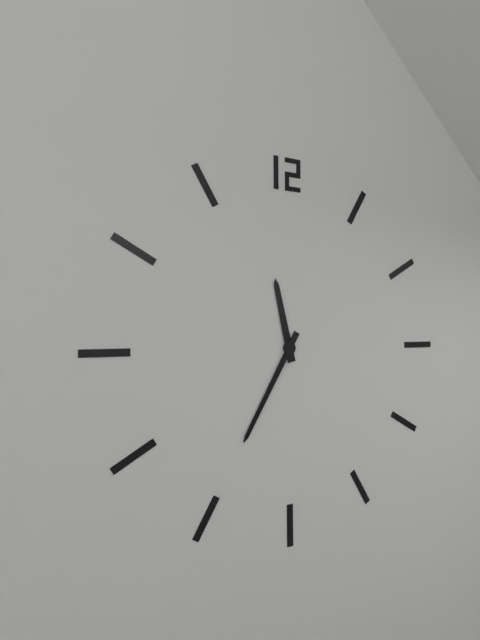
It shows {"hour": 11, "minute": 35}
